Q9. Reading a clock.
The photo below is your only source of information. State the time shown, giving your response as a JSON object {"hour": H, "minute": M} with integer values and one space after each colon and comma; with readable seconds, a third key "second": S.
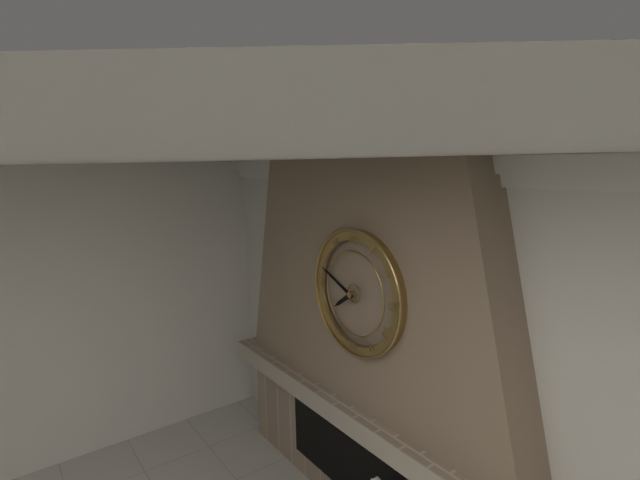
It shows {"hour": 7, "minute": 49}
